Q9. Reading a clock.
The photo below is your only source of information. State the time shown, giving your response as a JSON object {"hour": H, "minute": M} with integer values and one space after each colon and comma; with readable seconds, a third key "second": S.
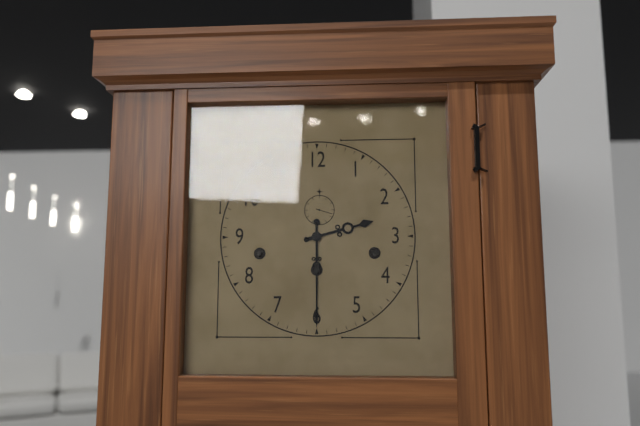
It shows {"hour": 2, "minute": 30}
